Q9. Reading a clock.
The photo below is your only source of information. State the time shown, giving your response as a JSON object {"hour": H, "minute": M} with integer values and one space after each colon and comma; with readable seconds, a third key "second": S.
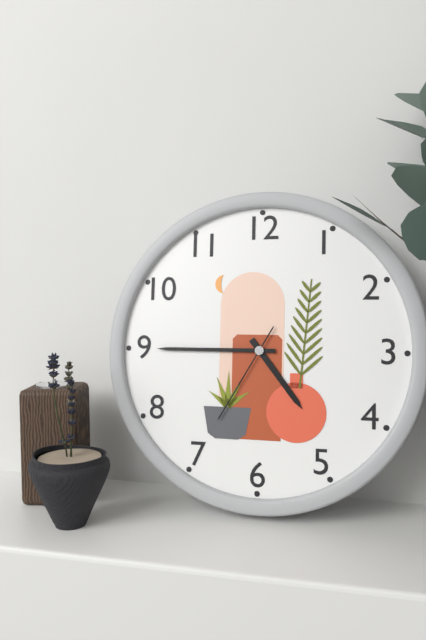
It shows {"hour": 4, "minute": 45, "second": 35}
